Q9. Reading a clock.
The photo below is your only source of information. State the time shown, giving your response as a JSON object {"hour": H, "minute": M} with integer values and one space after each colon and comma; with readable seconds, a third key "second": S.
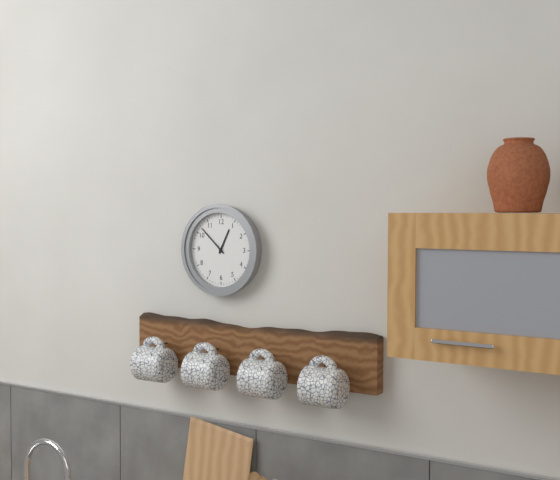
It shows {"hour": 12, "minute": 52}
